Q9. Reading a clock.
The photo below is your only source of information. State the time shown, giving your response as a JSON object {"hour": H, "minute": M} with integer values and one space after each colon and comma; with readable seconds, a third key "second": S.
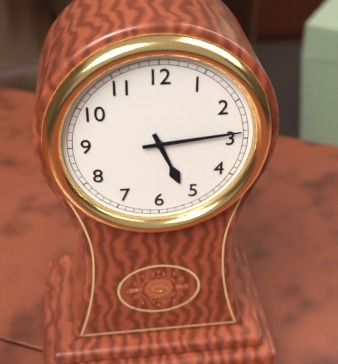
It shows {"hour": 5, "minute": 14}
